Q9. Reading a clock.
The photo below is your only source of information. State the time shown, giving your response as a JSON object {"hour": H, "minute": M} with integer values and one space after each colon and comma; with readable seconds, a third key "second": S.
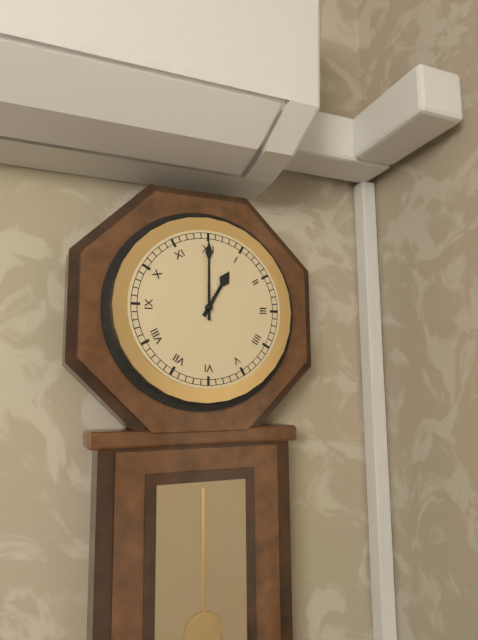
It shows {"hour": 1, "minute": 0}
